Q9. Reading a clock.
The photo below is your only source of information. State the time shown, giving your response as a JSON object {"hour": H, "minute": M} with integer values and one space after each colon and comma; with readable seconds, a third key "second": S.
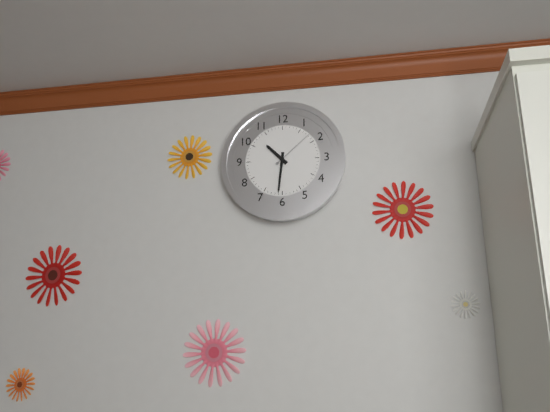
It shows {"hour": 10, "minute": 31}
